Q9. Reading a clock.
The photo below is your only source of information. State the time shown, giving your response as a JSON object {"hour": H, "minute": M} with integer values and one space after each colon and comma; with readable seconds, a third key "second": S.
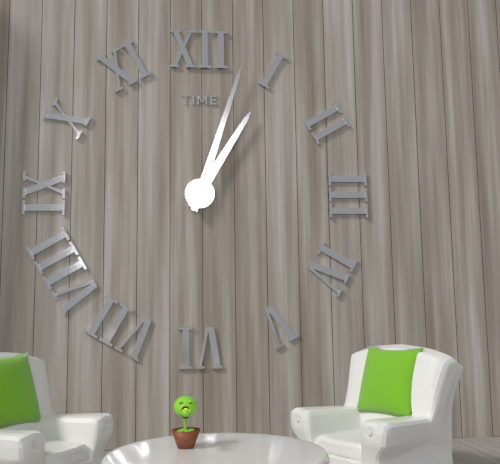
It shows {"hour": 1, "minute": 3}
